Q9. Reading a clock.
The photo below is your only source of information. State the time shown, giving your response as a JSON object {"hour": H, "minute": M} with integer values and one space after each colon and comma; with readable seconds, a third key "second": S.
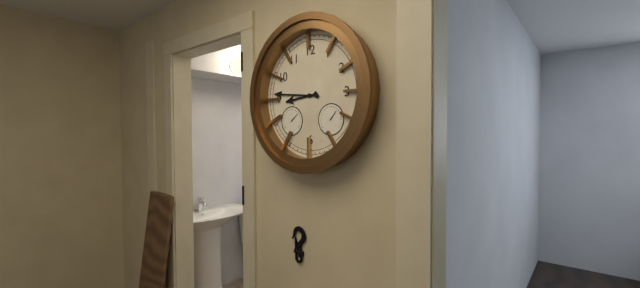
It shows {"hour": 8, "minute": 46}
